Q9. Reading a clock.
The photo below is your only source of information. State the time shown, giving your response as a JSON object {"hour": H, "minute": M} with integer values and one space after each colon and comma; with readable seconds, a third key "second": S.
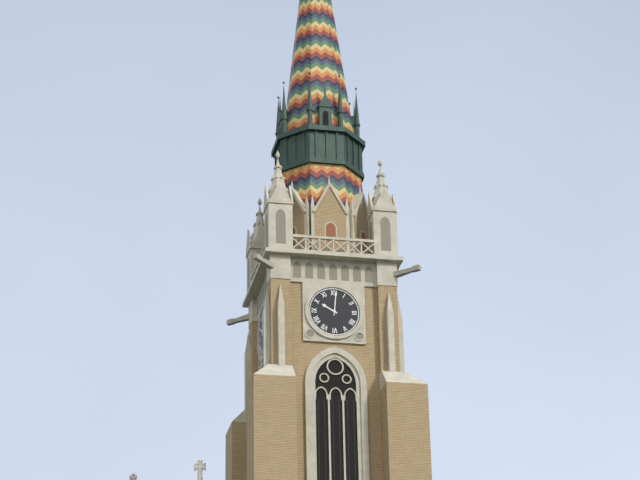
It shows {"hour": 10, "minute": 1}
